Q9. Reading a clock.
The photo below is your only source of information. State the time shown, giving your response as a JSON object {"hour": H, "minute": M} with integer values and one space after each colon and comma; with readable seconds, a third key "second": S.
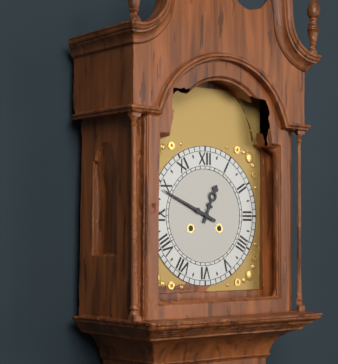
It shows {"hour": 12, "minute": 49}
